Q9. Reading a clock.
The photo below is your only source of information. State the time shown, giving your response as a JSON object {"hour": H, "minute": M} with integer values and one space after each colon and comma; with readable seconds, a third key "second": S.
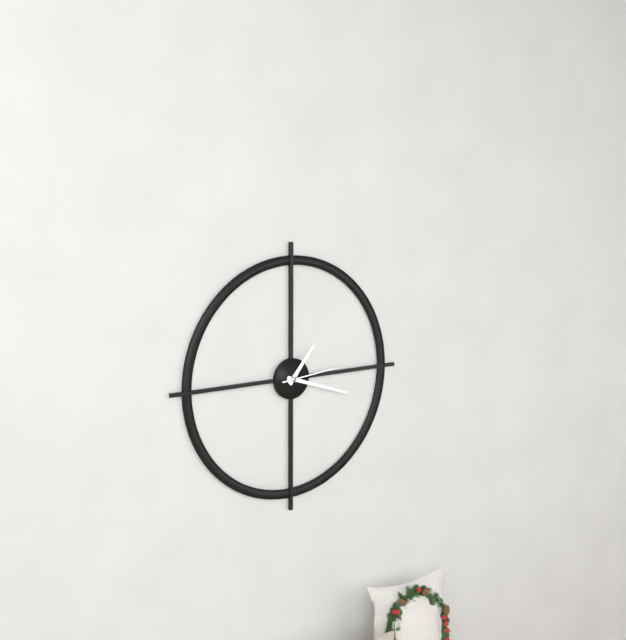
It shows {"hour": 1, "minute": 18, "second": 14}
